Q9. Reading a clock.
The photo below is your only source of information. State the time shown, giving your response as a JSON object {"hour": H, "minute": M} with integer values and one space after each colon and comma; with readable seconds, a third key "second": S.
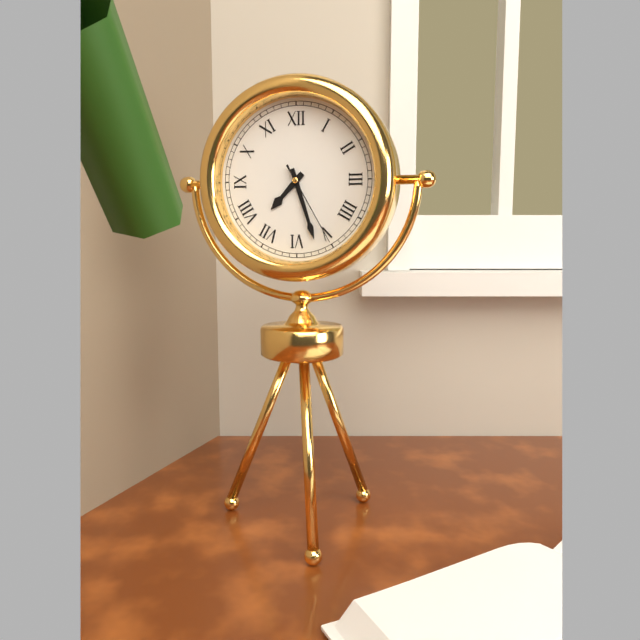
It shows {"hour": 7, "minute": 27, "second": 25}
